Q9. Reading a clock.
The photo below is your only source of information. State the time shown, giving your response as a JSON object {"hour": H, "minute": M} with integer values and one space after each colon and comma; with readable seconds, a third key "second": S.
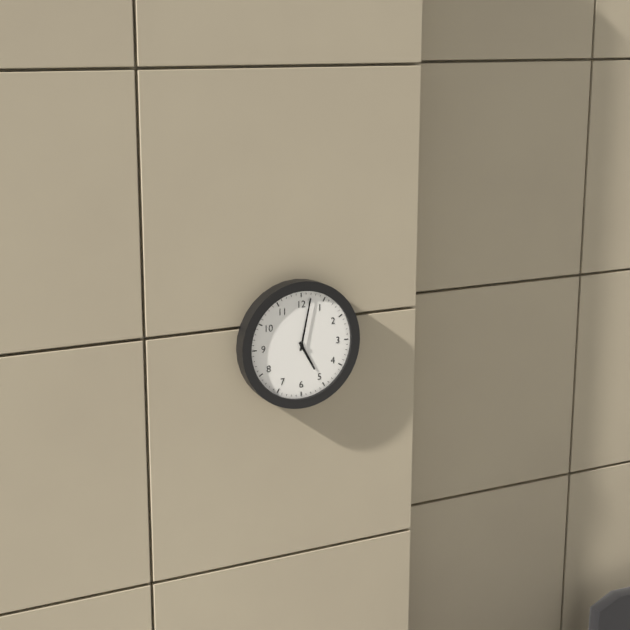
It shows {"hour": 5, "minute": 2}
